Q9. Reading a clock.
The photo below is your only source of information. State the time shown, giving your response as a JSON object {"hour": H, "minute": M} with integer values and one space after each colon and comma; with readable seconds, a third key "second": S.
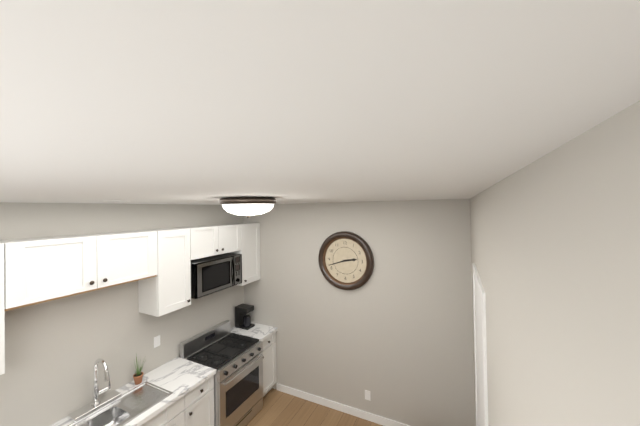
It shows {"hour": 2, "minute": 42}
